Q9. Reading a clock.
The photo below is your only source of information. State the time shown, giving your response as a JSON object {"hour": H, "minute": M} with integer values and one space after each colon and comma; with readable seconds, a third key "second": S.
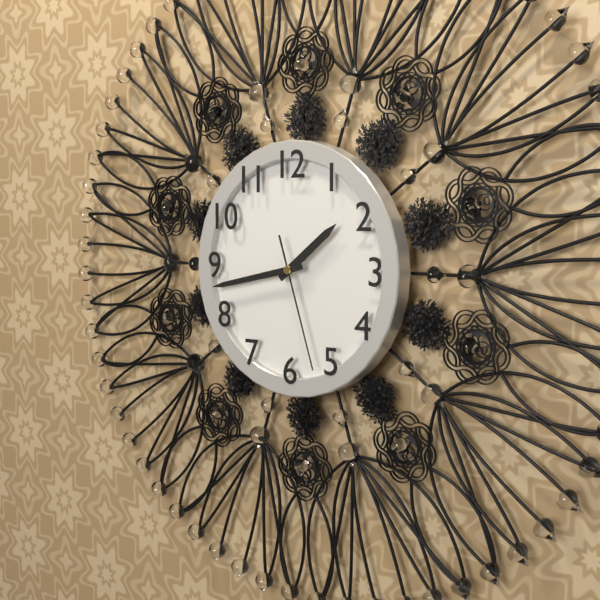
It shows {"hour": 1, "minute": 43, "second": 27}
